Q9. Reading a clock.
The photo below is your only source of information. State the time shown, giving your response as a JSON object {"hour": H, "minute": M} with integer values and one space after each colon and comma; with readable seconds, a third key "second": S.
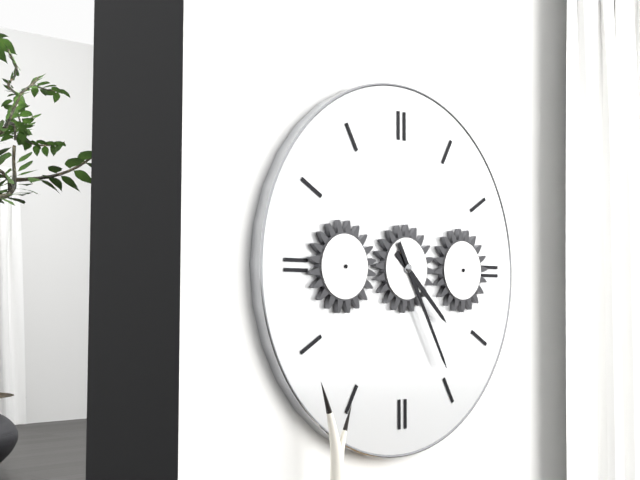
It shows {"hour": 4, "minute": 25}
